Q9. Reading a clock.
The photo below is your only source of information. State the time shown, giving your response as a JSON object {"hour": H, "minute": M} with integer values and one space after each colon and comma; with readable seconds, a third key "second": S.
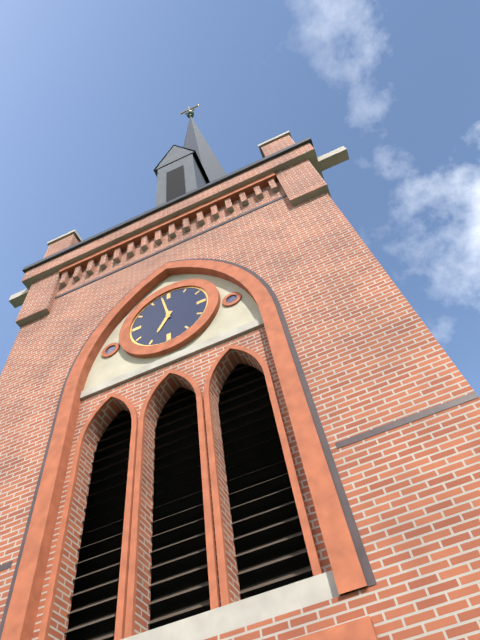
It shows {"hour": 6, "minute": 58}
